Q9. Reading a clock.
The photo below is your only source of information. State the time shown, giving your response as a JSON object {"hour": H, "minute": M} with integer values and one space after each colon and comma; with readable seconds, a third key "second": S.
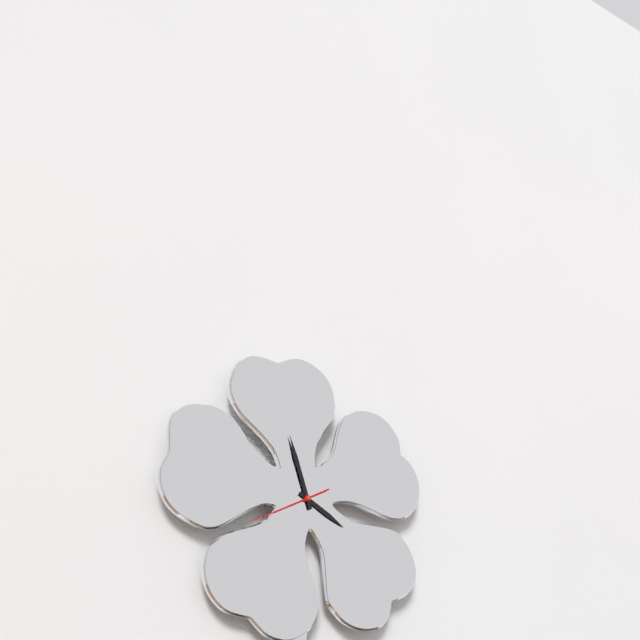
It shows {"hour": 3, "minute": 57, "second": 40}
